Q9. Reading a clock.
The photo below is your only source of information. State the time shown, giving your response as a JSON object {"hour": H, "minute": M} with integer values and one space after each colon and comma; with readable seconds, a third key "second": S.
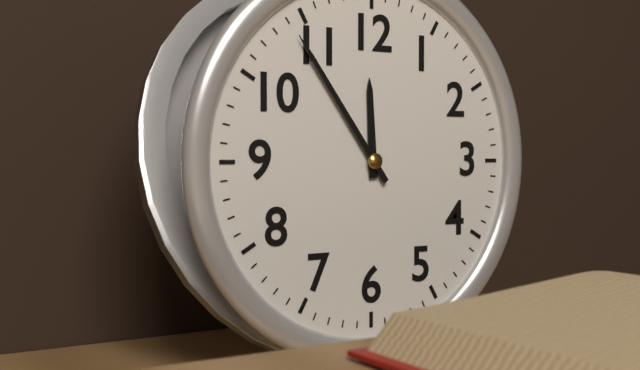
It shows {"hour": 11, "minute": 54}
